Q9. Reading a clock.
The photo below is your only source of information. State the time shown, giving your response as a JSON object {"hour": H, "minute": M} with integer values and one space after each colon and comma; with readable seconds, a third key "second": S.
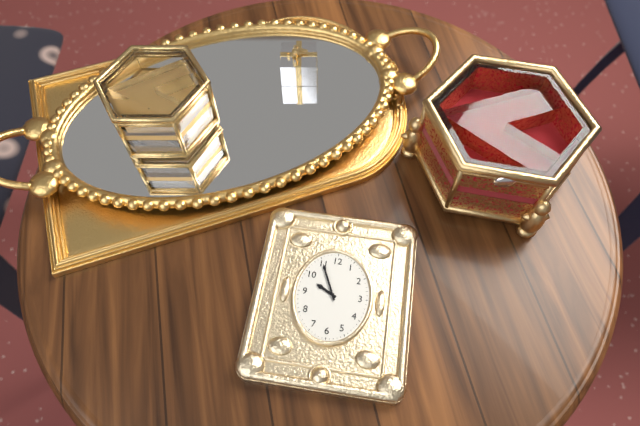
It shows {"hour": 9, "minute": 56}
